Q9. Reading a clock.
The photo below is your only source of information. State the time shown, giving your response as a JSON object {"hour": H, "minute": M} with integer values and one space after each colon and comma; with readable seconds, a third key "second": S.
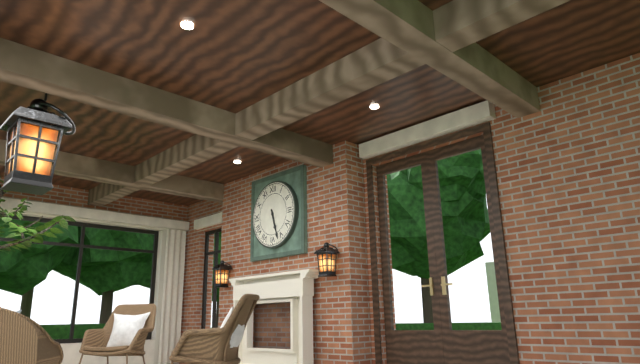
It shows {"hour": 5, "minute": 27}
